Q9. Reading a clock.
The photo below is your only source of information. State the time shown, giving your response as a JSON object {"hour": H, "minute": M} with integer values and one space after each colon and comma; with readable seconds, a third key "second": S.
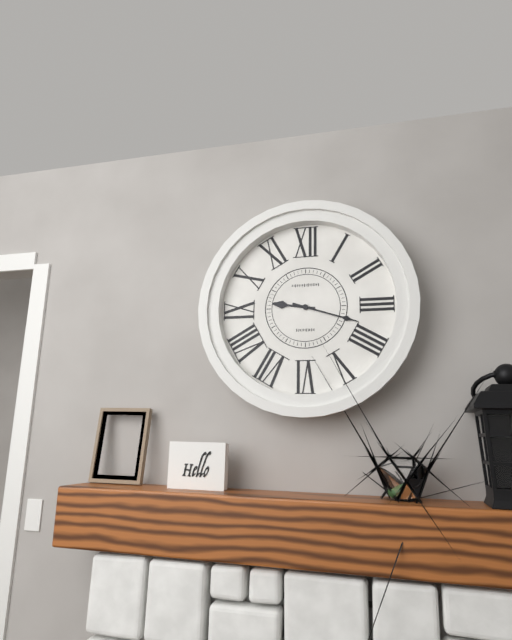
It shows {"hour": 9, "minute": 18}
